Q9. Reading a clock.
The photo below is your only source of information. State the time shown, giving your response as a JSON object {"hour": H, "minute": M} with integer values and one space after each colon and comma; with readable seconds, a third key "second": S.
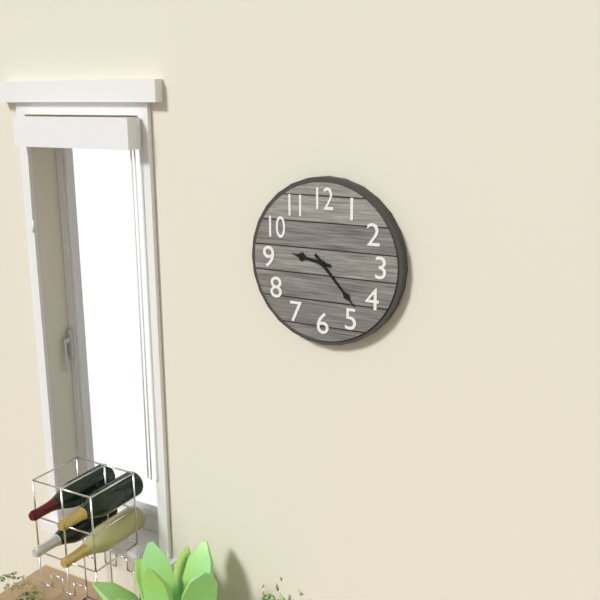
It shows {"hour": 9, "minute": 23}
